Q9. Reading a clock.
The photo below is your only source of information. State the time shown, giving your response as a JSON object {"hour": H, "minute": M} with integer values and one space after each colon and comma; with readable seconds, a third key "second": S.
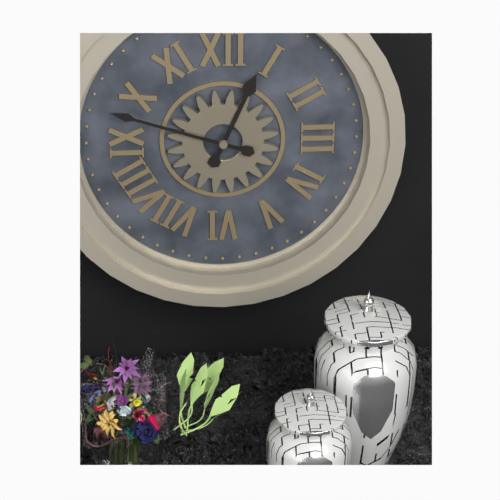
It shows {"hour": 12, "minute": 48}
